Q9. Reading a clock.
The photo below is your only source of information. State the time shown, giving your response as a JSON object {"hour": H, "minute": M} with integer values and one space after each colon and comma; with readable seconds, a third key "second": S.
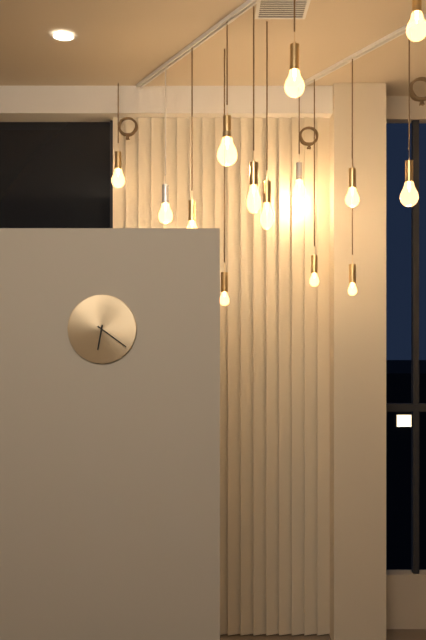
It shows {"hour": 6, "minute": 21}
